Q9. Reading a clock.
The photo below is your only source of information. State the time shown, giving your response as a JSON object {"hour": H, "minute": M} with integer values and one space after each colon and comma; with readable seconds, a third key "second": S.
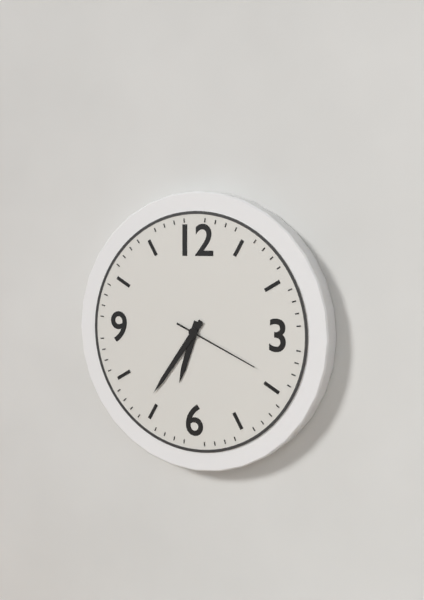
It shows {"hour": 6, "minute": 36, "second": 19}
